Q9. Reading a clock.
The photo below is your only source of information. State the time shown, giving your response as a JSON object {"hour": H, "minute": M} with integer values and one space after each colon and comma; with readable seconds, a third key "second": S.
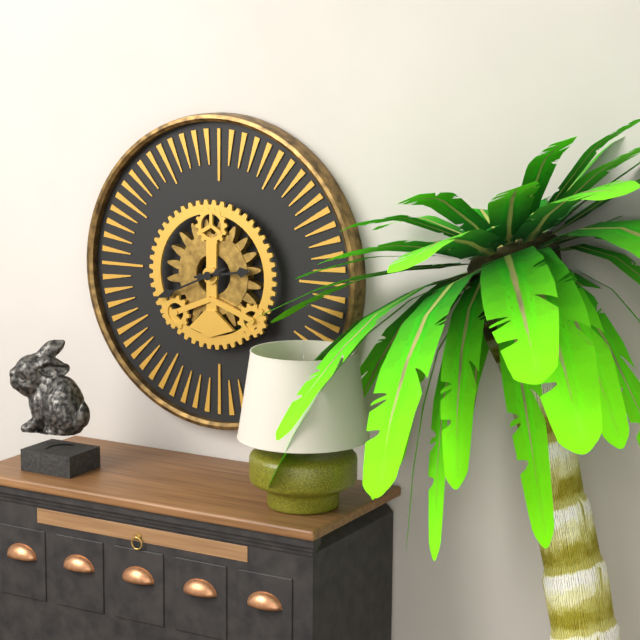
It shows {"hour": 2, "minute": 41}
